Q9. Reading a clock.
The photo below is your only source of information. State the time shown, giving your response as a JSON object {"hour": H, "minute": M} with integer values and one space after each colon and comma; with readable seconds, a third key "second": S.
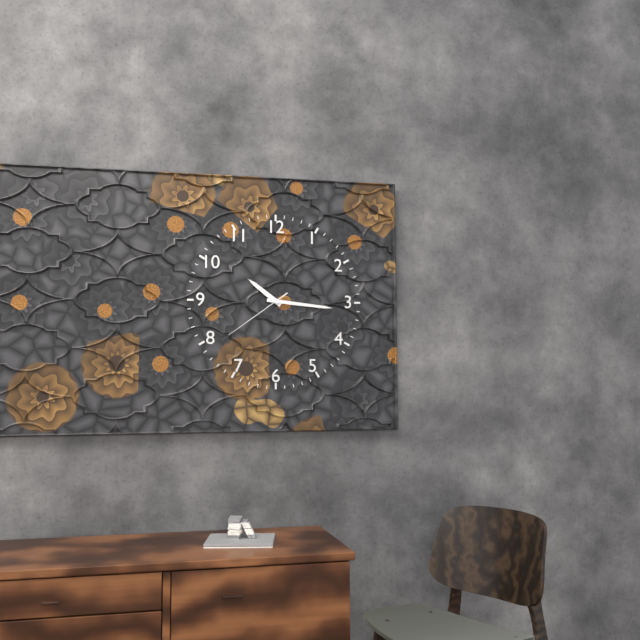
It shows {"hour": 10, "minute": 16, "second": 39}
